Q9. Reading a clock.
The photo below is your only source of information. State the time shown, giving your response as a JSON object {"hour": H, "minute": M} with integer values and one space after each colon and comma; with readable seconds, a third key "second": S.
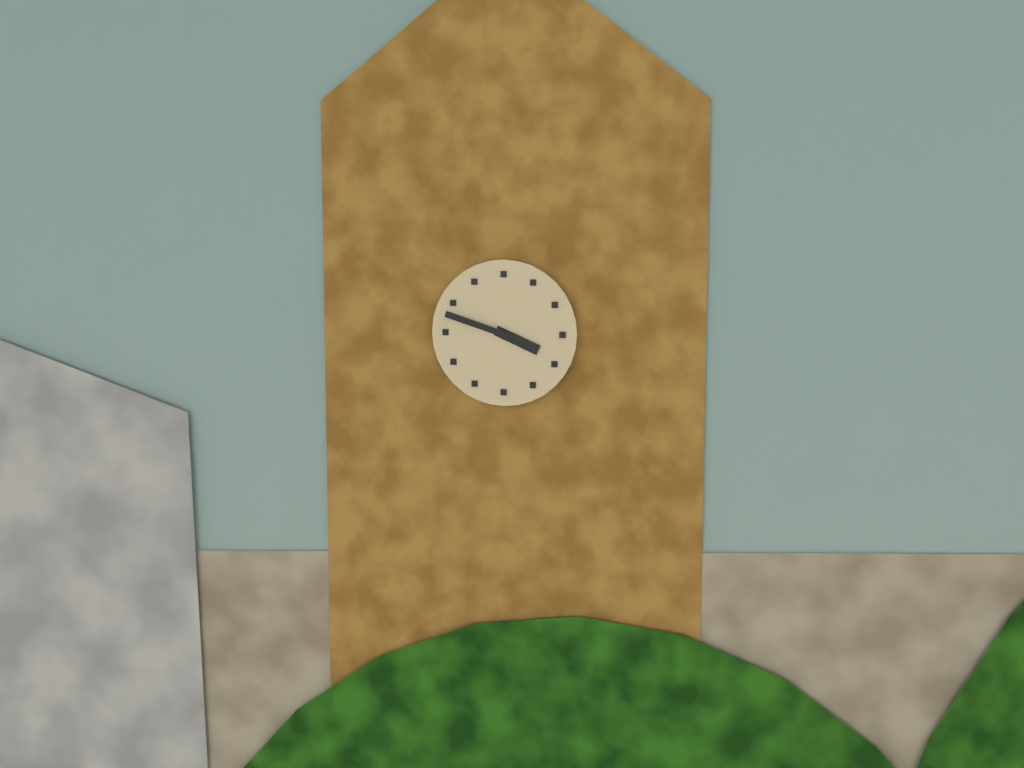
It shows {"hour": 3, "minute": 48}
